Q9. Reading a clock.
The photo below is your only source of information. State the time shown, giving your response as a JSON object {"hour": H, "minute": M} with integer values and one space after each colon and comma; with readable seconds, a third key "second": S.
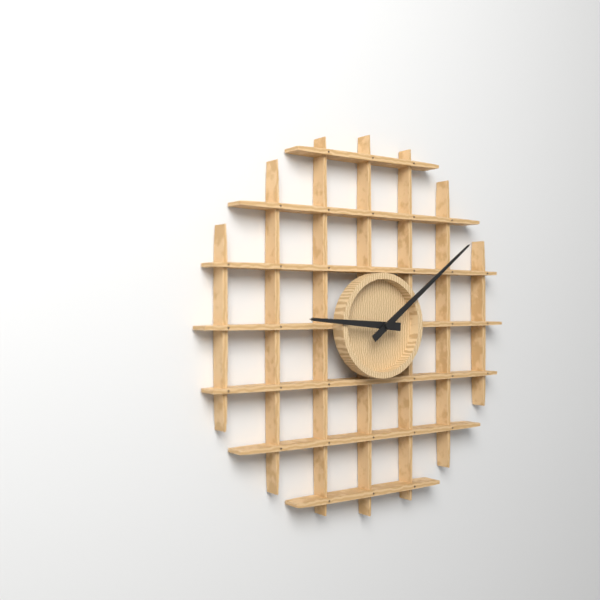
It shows {"hour": 9, "minute": 9}
